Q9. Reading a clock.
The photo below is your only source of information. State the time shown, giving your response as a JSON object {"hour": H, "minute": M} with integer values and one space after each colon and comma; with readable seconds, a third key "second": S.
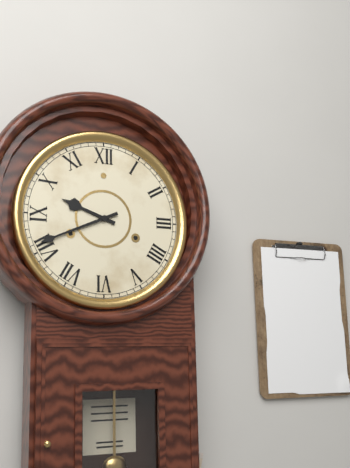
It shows {"hour": 9, "minute": 41}
